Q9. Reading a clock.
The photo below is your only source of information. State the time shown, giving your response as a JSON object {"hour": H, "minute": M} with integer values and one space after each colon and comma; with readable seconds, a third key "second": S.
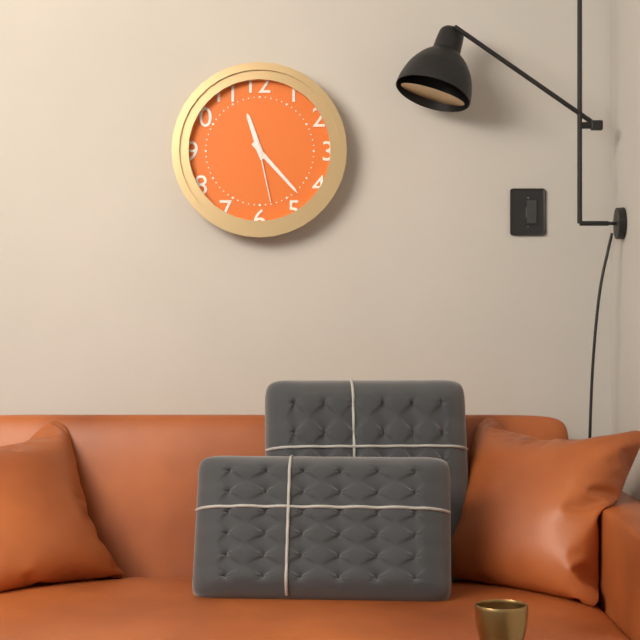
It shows {"hour": 11, "minute": 23, "second": 28}
